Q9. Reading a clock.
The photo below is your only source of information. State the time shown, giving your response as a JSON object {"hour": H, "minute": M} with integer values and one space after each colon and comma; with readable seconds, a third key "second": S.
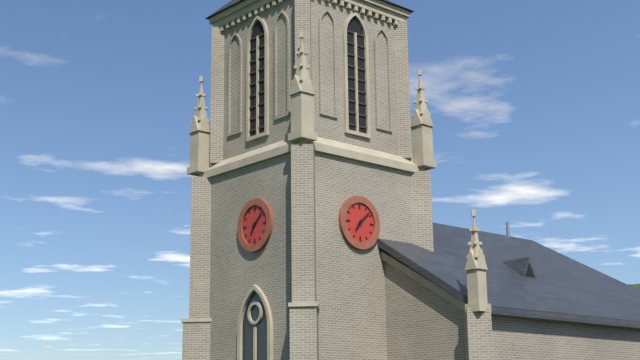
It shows {"hour": 7, "minute": 8}
